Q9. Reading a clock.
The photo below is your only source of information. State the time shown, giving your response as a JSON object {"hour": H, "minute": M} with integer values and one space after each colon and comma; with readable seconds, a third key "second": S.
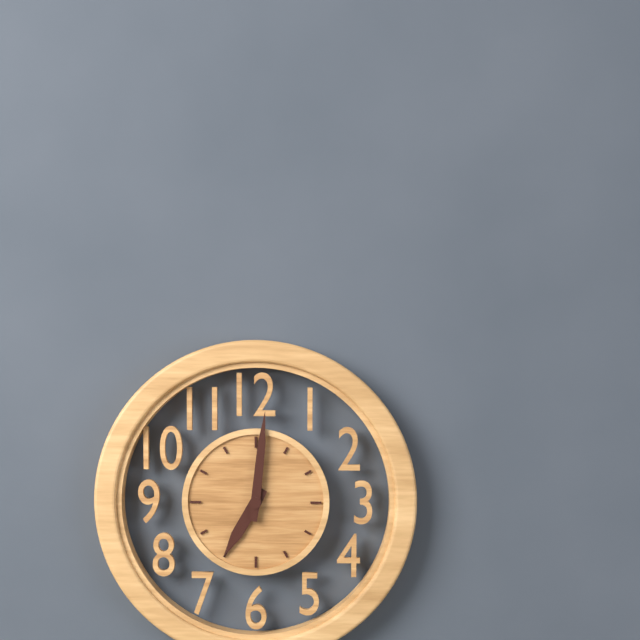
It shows {"hour": 7, "minute": 1}
